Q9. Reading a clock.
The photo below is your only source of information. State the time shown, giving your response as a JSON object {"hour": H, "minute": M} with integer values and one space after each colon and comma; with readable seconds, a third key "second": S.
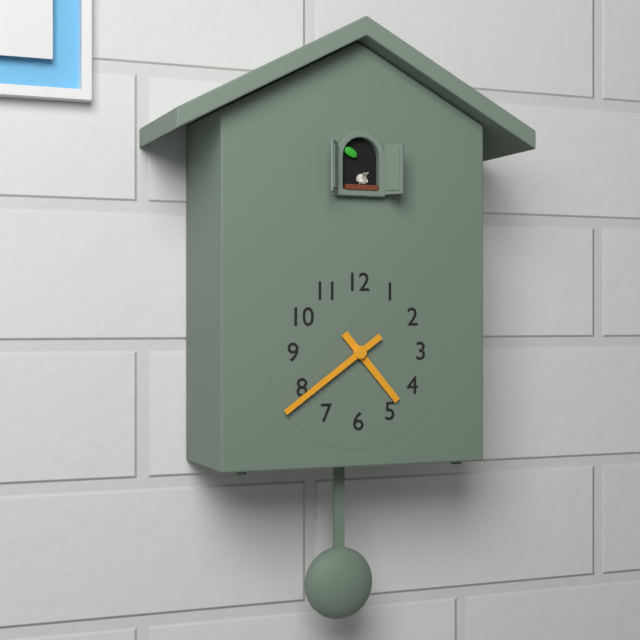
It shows {"hour": 4, "minute": 39}
